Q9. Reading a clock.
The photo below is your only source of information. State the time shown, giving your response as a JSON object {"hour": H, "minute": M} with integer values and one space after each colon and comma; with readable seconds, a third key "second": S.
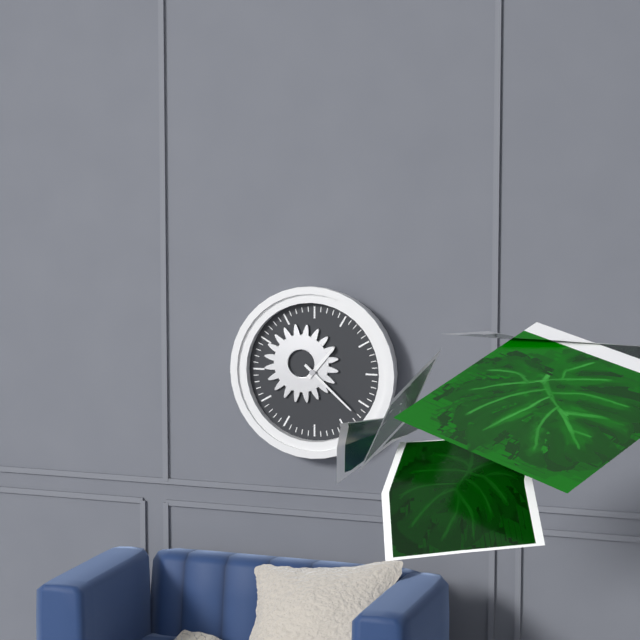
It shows {"hour": 1, "minute": 22}
